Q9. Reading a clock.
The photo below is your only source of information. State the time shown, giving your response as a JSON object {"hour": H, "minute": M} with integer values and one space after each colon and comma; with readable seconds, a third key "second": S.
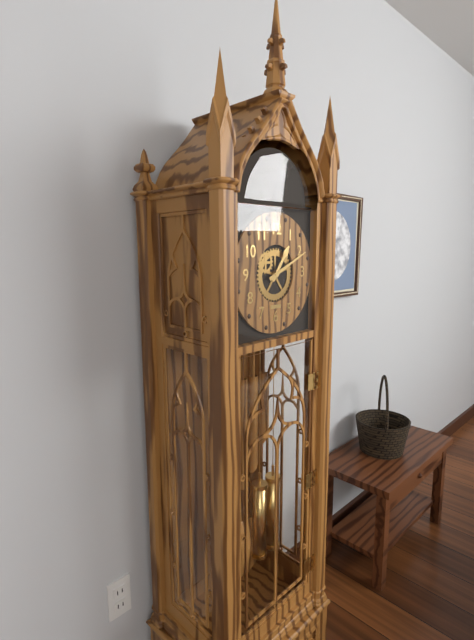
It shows {"hour": 1, "minute": 11}
